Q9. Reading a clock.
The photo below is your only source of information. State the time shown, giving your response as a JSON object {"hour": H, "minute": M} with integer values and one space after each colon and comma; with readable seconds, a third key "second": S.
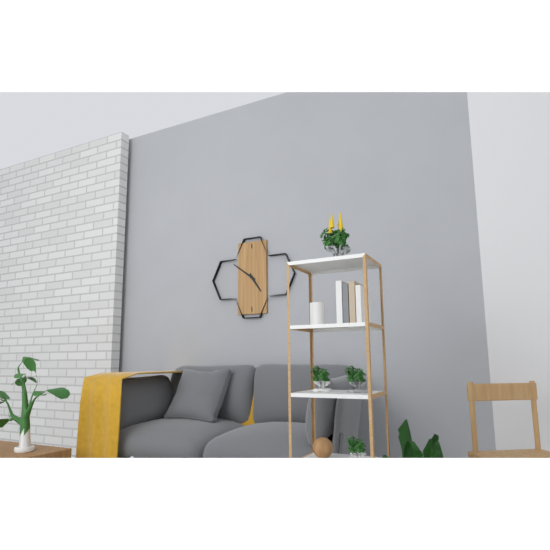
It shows {"hour": 4, "minute": 51}
